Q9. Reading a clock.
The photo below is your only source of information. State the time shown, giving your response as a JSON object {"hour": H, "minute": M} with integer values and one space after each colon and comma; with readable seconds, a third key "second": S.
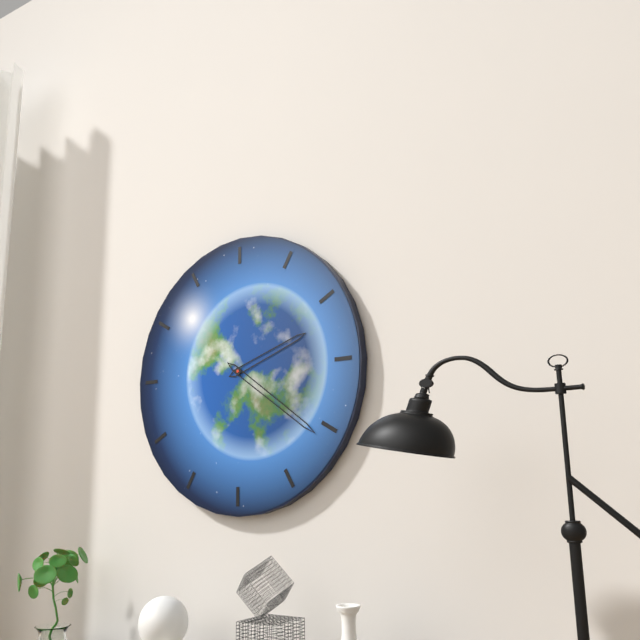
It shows {"hour": 2, "minute": 21}
